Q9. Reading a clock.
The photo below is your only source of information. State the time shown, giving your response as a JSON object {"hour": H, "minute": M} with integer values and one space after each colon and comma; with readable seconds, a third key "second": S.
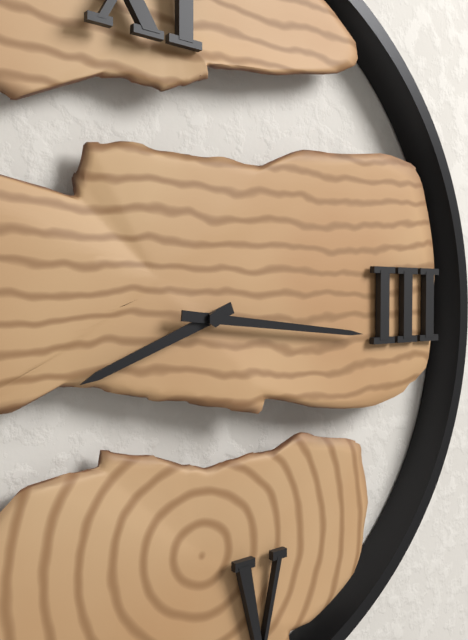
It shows {"hour": 8, "minute": 16}
